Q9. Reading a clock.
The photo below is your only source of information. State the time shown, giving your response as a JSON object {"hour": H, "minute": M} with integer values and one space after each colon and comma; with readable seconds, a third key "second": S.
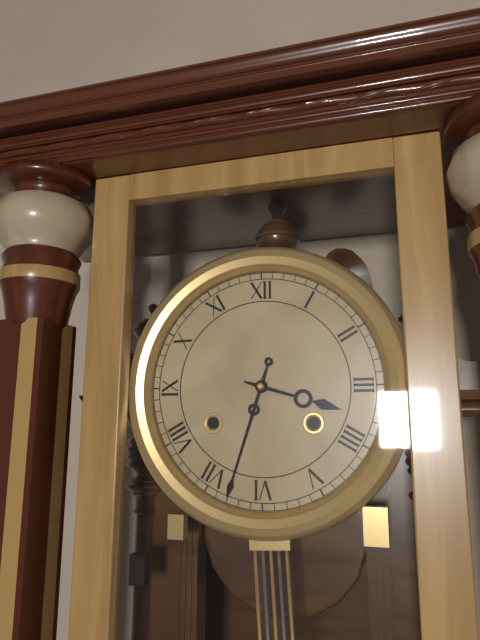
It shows {"hour": 3, "minute": 33}
